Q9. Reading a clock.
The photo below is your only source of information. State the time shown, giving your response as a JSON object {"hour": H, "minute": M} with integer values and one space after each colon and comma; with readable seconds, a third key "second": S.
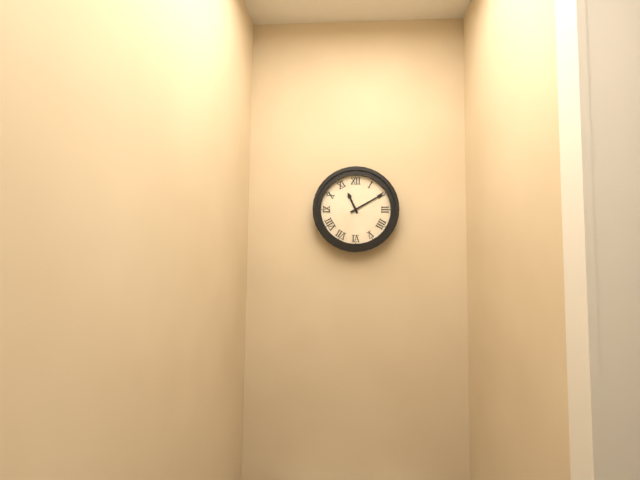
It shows {"hour": 11, "minute": 10}
